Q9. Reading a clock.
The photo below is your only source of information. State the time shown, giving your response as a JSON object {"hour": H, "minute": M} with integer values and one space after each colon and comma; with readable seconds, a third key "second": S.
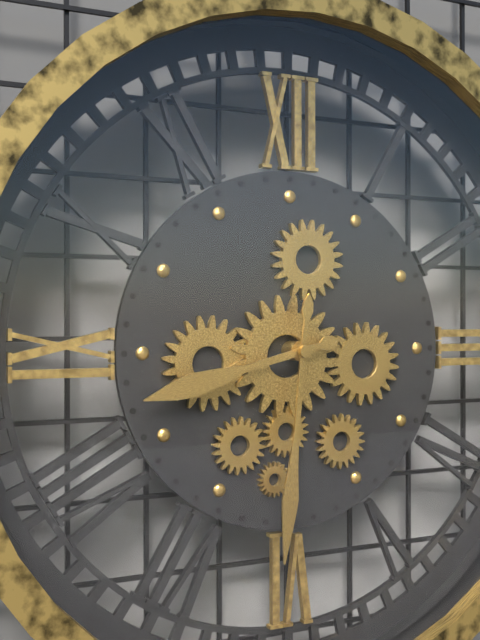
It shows {"hour": 8, "minute": 31}
